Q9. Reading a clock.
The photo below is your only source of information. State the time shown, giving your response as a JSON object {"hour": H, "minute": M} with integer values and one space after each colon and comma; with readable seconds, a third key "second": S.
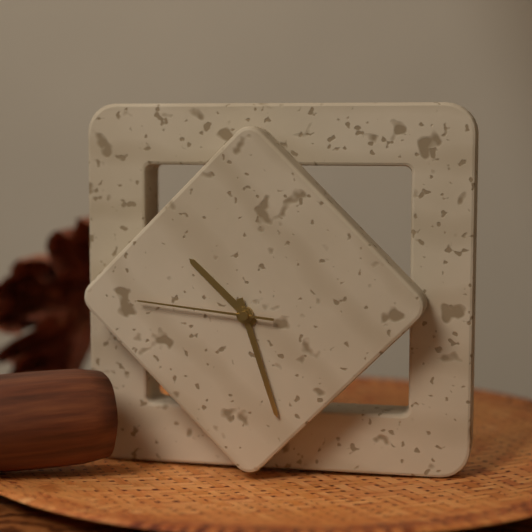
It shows {"hour": 10, "minute": 27, "second": 46}
